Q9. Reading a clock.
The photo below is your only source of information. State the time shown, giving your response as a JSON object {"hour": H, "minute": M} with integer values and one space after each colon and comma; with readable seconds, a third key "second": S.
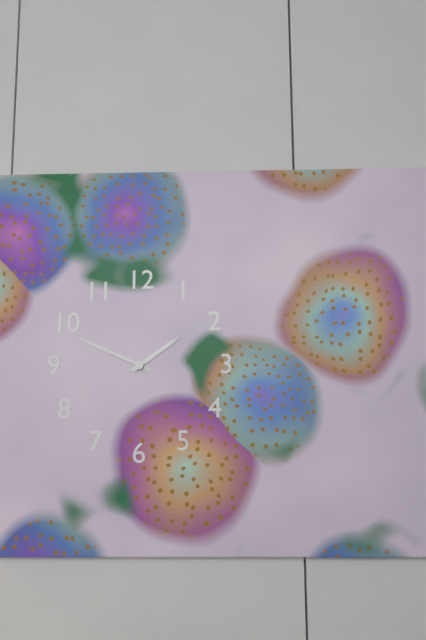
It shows {"hour": 1, "minute": 49}
